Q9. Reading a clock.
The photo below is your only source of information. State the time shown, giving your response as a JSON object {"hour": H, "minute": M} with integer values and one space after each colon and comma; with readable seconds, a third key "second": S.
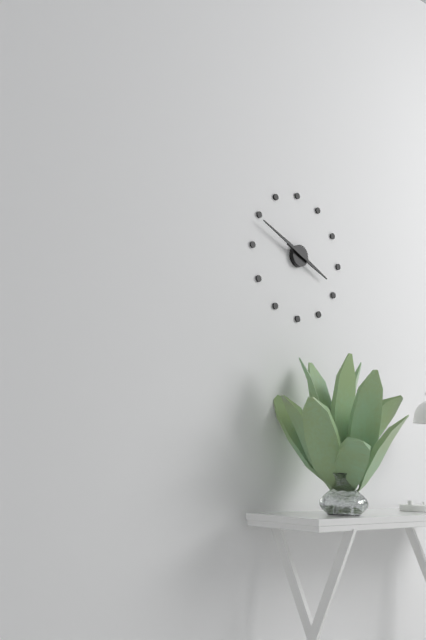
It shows {"hour": 3, "minute": 49}
